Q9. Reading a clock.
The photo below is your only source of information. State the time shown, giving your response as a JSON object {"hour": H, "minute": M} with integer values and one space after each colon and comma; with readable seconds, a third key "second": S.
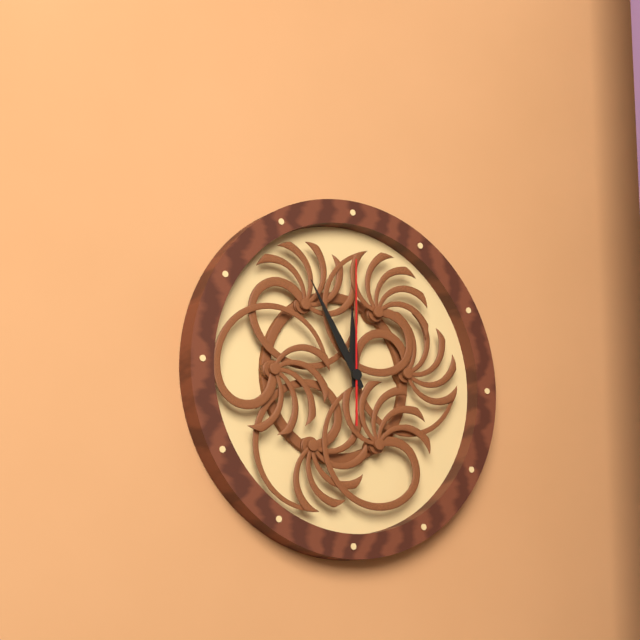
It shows {"hour": 11, "minute": 55, "second": 0}
